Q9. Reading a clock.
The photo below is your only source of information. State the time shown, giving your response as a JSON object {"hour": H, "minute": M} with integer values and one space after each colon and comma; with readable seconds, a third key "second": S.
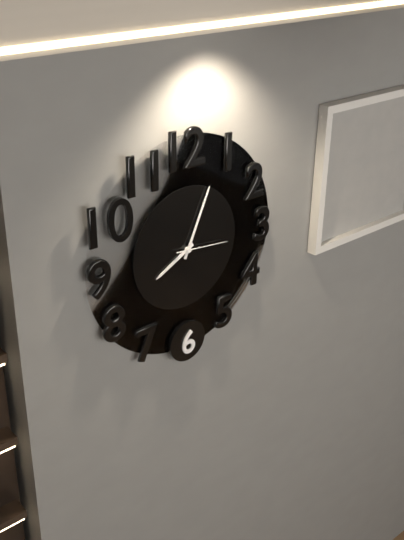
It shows {"hour": 8, "minute": 4, "second": 16}
